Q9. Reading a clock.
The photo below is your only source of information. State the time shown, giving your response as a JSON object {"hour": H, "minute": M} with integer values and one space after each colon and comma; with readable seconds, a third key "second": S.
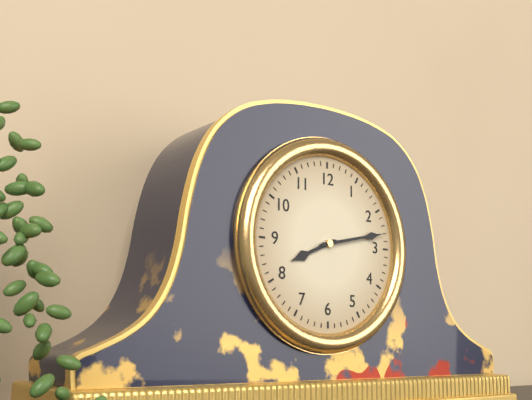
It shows {"hour": 8, "minute": 13}
